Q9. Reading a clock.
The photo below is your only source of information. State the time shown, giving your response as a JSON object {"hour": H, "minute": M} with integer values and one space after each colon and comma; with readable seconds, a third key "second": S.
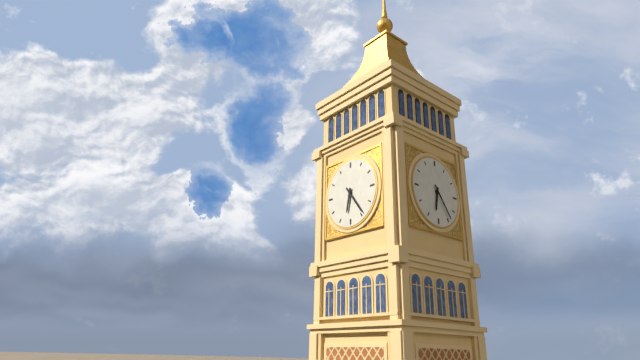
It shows {"hour": 6, "minute": 24}
